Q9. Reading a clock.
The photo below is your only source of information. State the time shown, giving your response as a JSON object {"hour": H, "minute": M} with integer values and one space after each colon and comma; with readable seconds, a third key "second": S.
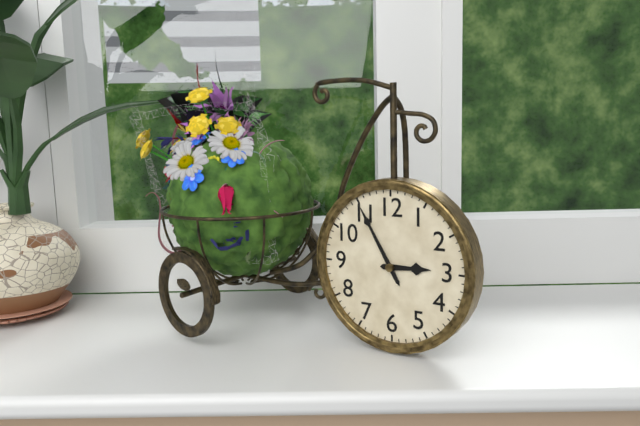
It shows {"hour": 2, "minute": 55}
